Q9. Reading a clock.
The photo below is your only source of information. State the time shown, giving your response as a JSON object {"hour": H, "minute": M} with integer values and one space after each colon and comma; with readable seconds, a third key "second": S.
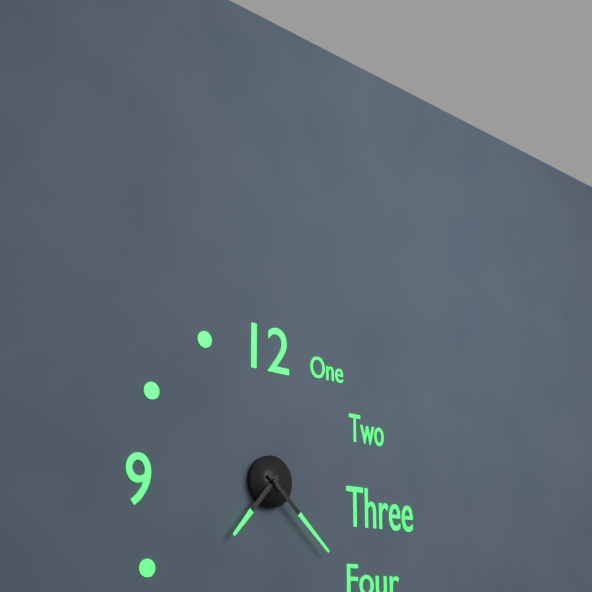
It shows {"hour": 7, "minute": 22}
